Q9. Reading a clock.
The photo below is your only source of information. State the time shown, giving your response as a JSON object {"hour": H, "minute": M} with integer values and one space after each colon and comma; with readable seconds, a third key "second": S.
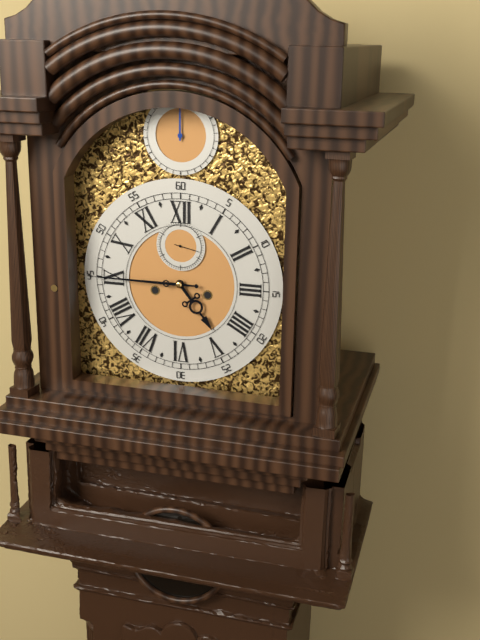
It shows {"hour": 4, "minute": 45}
